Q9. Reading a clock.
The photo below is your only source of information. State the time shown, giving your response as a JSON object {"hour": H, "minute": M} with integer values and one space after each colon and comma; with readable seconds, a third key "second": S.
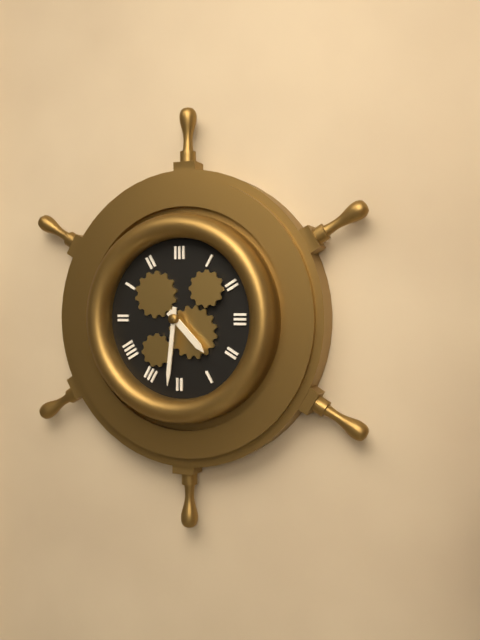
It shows {"hour": 4, "minute": 31}
